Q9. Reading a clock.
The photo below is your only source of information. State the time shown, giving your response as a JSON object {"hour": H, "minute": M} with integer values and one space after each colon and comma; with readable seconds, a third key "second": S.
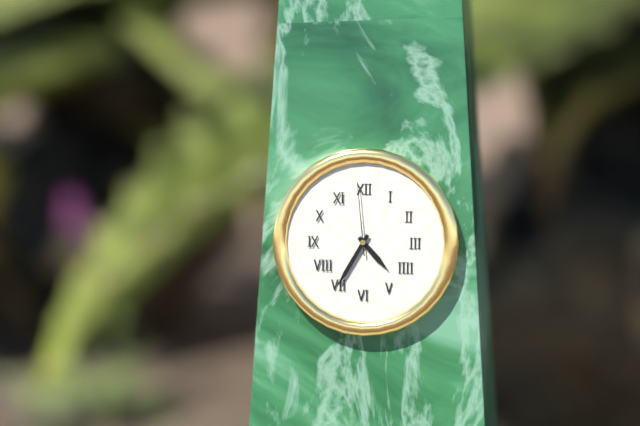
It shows {"hour": 4, "minute": 35, "second": 59}
